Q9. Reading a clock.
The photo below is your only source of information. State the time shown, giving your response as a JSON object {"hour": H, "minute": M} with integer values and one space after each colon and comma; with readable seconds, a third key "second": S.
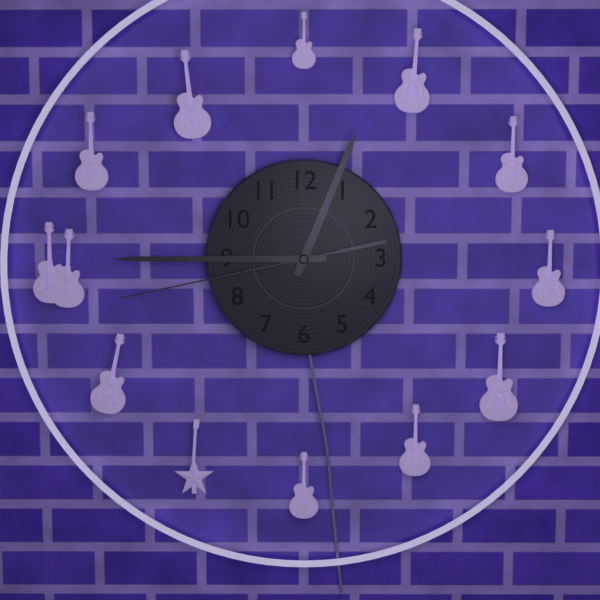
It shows {"hour": 12, "minute": 45, "second": 43}
